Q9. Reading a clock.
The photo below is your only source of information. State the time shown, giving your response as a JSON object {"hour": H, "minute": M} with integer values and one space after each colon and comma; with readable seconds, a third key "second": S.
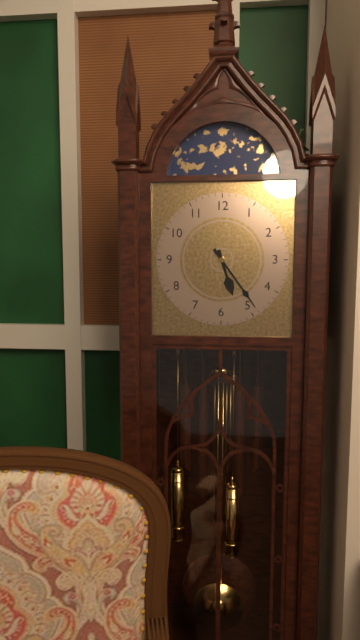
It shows {"hour": 5, "minute": 24}
